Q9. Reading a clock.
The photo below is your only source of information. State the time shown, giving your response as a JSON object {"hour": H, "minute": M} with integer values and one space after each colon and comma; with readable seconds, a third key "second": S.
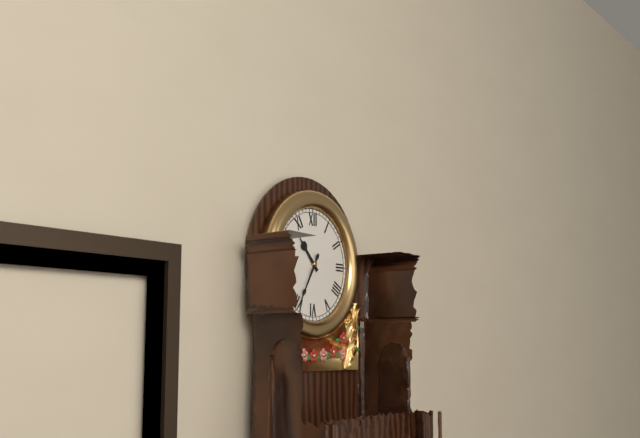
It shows {"hour": 10, "minute": 35}
